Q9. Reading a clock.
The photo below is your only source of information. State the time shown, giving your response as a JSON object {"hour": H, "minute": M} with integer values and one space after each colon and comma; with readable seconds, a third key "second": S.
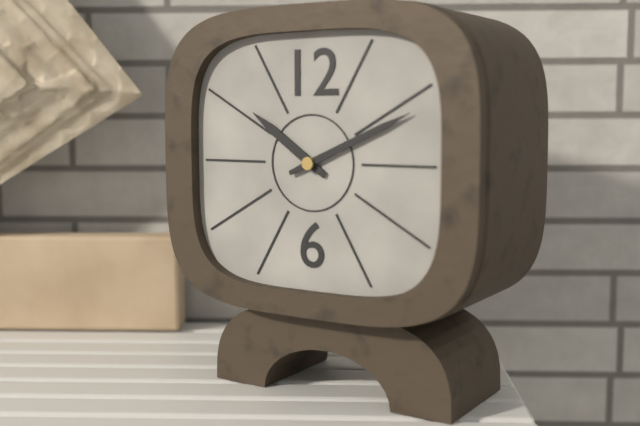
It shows {"hour": 10, "minute": 11}
